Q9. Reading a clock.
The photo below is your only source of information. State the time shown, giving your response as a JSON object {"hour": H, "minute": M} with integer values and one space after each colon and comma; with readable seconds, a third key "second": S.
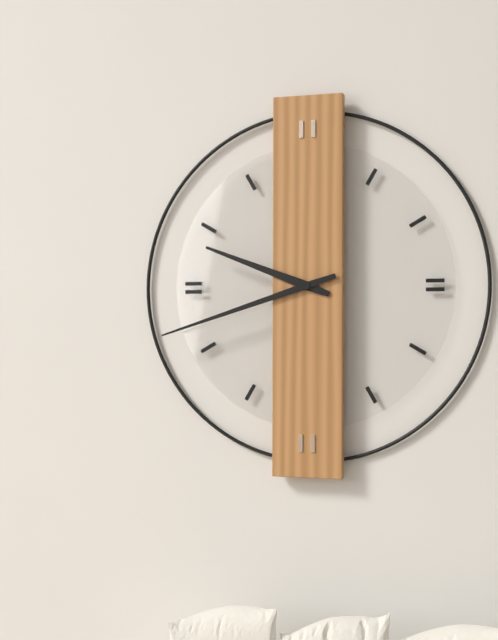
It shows {"hour": 9, "minute": 42}
